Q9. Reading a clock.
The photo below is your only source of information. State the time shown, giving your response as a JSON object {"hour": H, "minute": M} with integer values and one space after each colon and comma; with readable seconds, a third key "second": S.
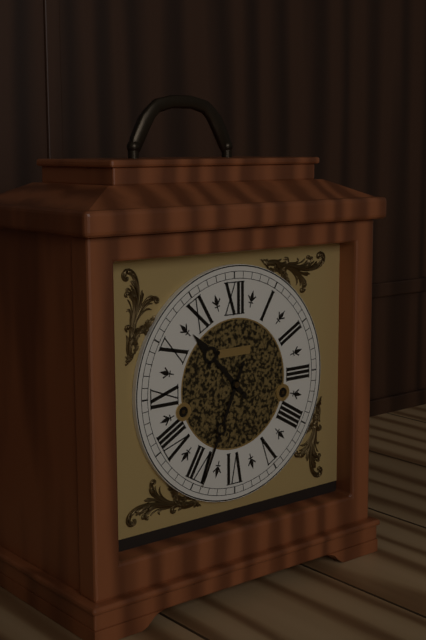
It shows {"hour": 10, "minute": 34}
